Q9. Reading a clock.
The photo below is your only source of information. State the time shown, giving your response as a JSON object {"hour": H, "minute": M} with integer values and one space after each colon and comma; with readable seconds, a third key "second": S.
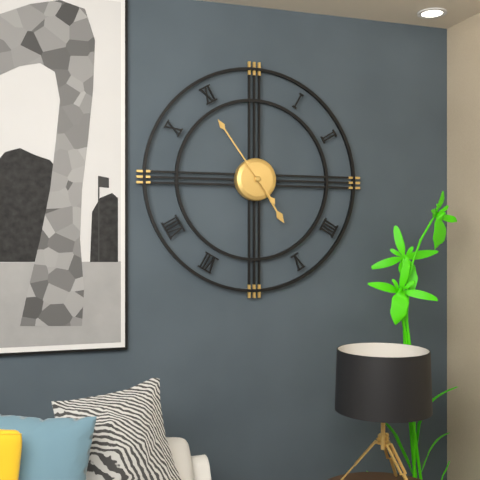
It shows {"hour": 4, "minute": 54}
